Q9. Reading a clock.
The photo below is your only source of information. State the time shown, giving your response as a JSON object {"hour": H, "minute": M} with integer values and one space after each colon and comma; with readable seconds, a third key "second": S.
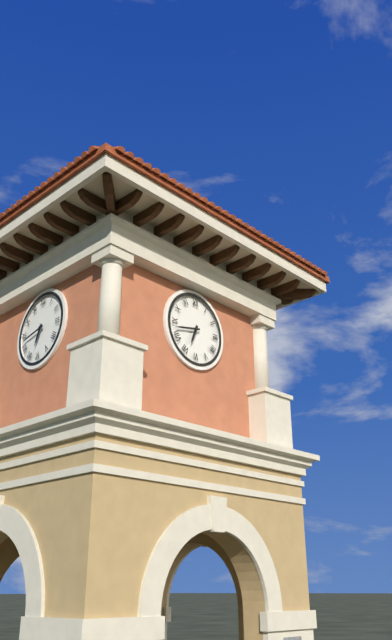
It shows {"hour": 6, "minute": 43}
